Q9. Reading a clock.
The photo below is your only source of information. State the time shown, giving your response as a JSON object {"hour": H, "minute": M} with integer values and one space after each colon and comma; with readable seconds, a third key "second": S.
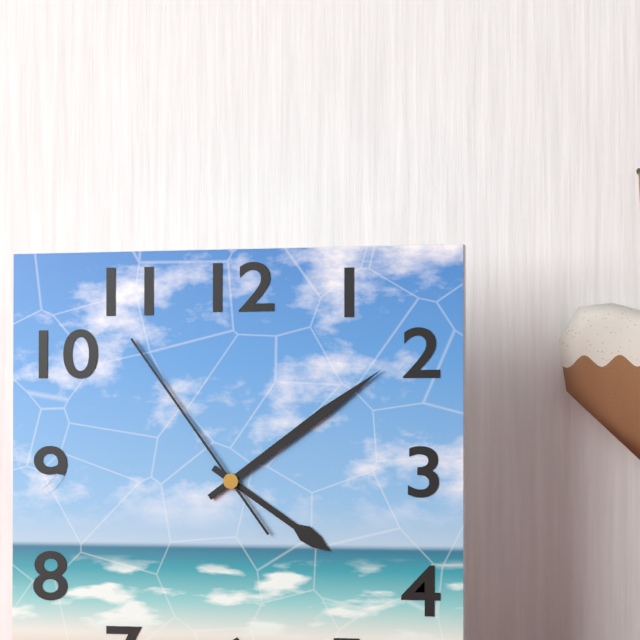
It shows {"hour": 4, "minute": 9, "second": 54}
